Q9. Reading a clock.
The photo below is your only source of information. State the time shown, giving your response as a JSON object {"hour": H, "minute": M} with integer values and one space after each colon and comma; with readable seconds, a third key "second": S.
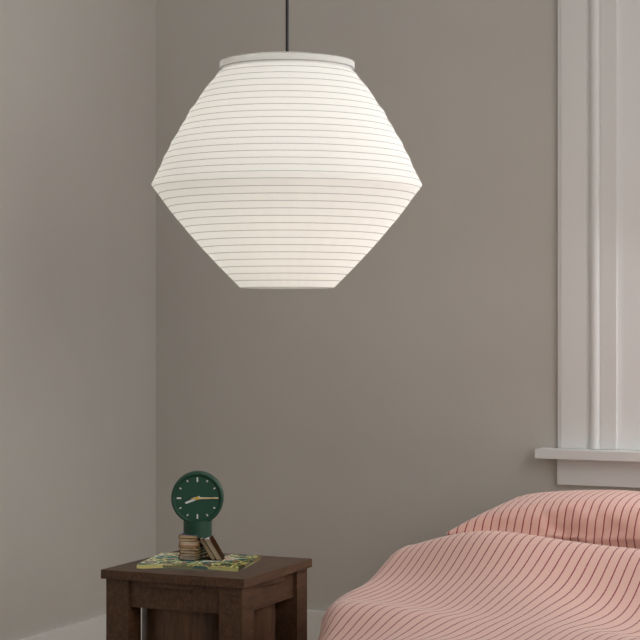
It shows {"hour": 8, "minute": 15}
